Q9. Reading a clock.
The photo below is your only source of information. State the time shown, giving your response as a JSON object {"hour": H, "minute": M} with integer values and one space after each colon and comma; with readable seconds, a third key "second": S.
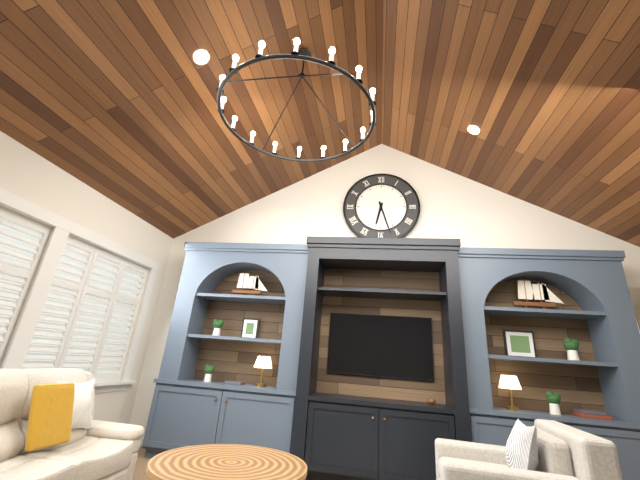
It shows {"hour": 6, "minute": 27}
